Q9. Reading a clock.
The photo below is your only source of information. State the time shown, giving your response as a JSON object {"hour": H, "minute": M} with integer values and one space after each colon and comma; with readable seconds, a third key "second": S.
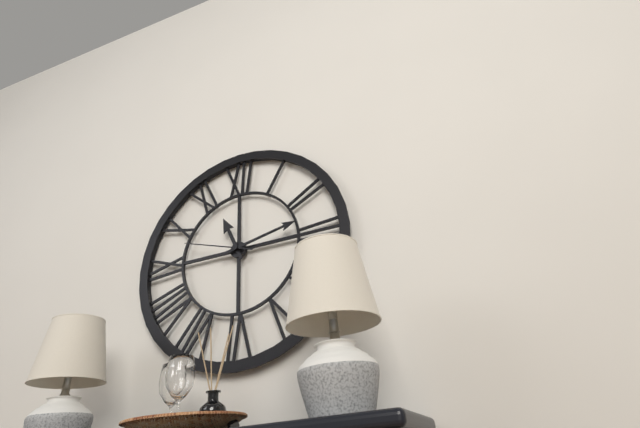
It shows {"hour": 11, "minute": 13, "second": 48}
